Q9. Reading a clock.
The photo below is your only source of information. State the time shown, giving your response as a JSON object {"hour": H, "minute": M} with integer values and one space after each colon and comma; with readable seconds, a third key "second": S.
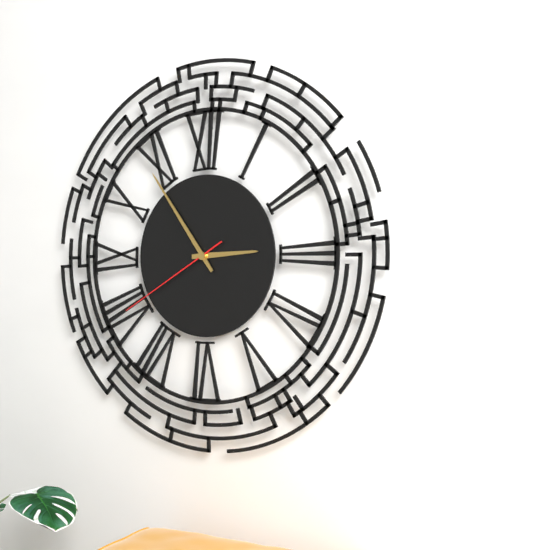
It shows {"hour": 2, "minute": 54, "second": 40}
